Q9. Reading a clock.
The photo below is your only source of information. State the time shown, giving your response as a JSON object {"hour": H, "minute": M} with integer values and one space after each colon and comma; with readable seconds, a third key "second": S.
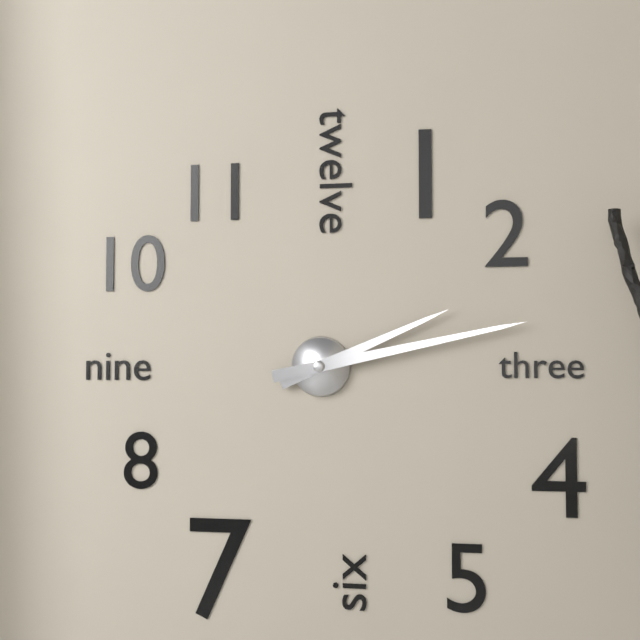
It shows {"hour": 2, "minute": 13}
